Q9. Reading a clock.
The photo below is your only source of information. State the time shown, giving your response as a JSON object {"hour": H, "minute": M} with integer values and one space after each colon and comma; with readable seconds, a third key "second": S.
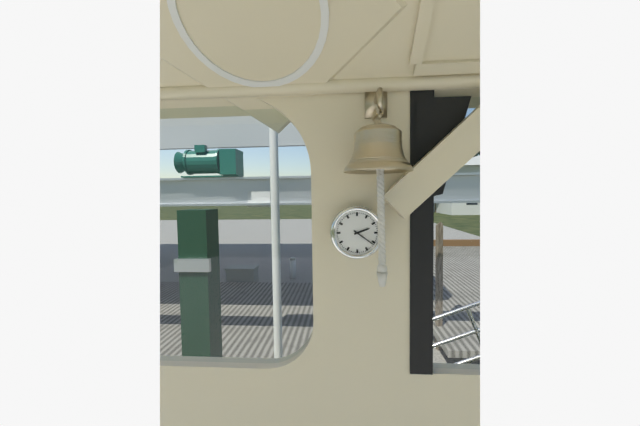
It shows {"hour": 2, "minute": 21}
